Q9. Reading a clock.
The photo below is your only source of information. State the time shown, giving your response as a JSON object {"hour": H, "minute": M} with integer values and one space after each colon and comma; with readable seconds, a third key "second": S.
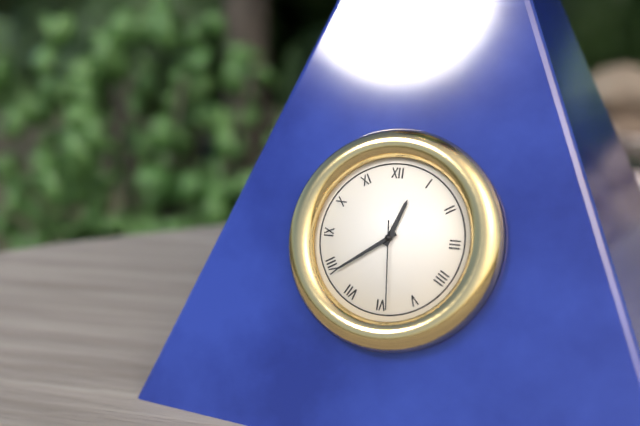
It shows {"hour": 12, "minute": 39, "second": 29}
